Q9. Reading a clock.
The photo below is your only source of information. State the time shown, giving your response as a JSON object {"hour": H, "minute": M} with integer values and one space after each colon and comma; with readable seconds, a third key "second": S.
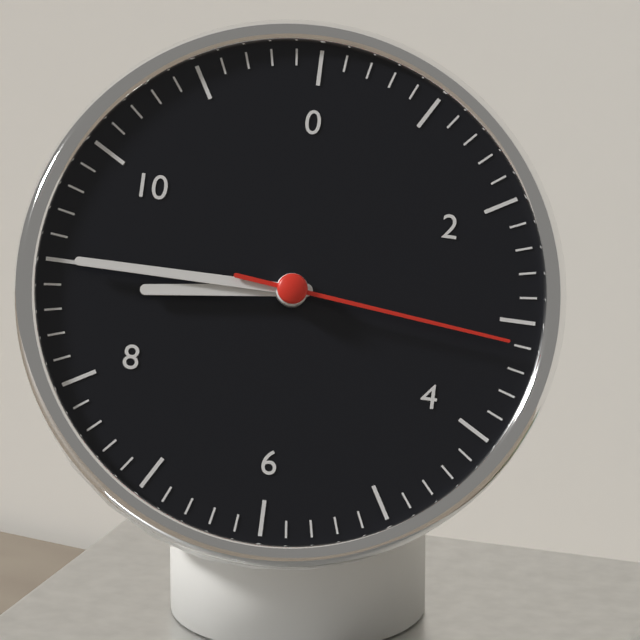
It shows {"hour": 8, "minute": 45, "second": 16}
